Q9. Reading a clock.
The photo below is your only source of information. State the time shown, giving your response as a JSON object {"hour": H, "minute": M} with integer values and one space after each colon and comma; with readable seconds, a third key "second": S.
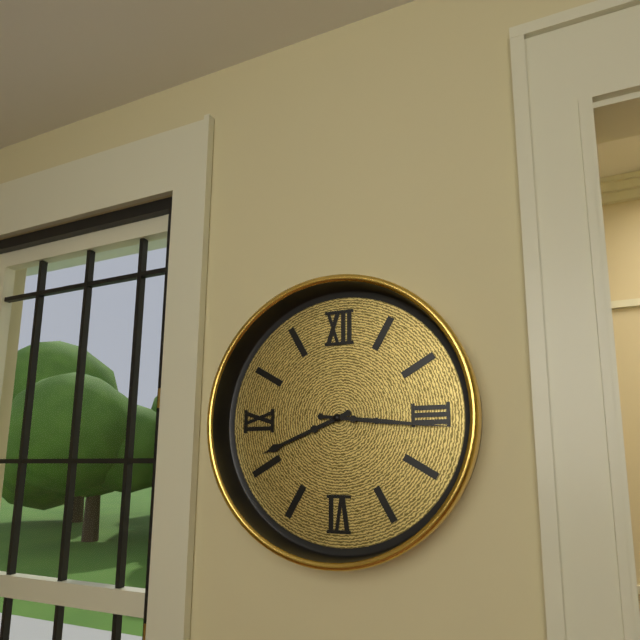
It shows {"hour": 8, "minute": 16}
